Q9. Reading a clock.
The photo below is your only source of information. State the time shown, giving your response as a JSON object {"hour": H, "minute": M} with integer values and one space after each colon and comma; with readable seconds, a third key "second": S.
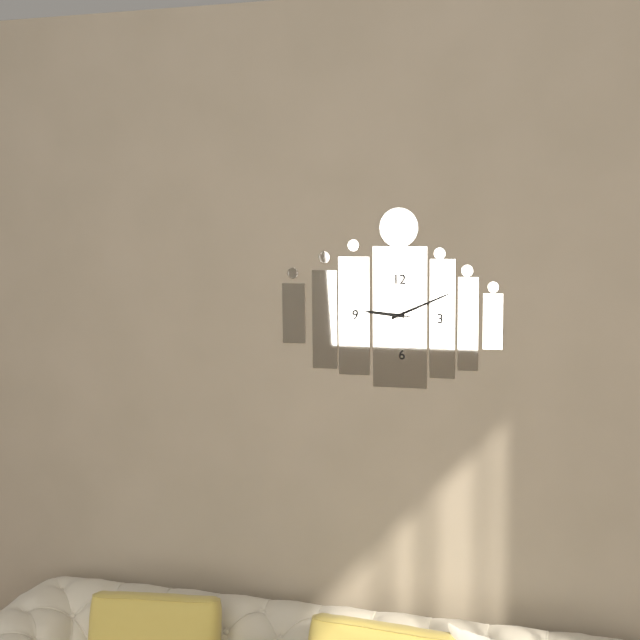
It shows {"hour": 9, "minute": 11, "second": 46}
